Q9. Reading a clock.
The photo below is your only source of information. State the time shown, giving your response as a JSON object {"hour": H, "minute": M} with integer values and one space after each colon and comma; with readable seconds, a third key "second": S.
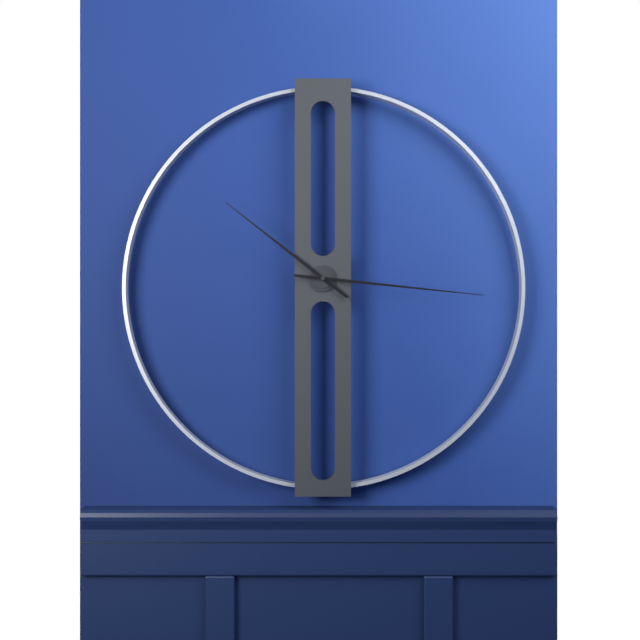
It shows {"hour": 10, "minute": 16}
